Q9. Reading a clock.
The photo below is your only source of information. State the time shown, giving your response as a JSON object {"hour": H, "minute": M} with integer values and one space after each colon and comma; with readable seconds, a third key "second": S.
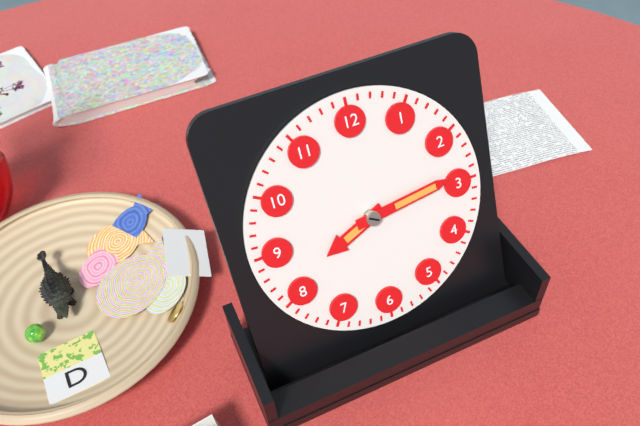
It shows {"hour": 8, "minute": 14}
